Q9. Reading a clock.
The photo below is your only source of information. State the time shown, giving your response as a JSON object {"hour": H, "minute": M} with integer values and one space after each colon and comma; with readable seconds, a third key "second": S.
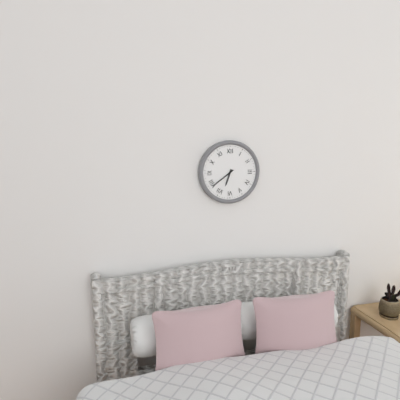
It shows {"hour": 6, "minute": 39}
